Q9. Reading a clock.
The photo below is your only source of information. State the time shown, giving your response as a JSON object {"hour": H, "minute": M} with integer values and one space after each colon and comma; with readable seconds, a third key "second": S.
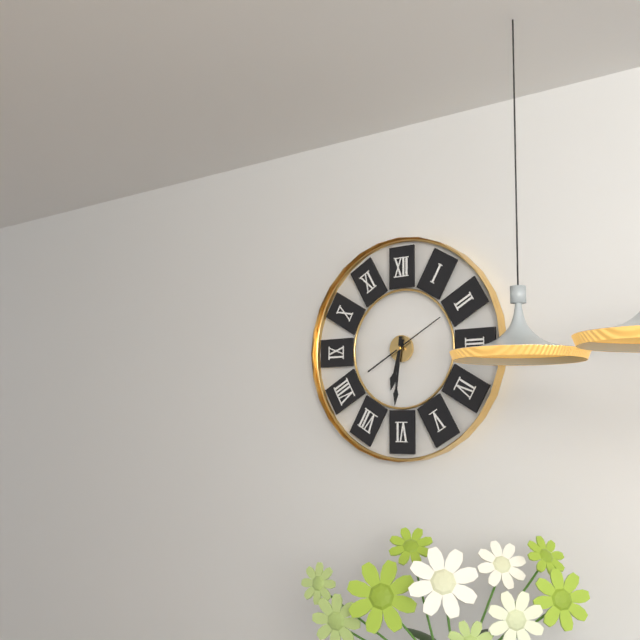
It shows {"hour": 6, "minute": 31, "second": 10}
